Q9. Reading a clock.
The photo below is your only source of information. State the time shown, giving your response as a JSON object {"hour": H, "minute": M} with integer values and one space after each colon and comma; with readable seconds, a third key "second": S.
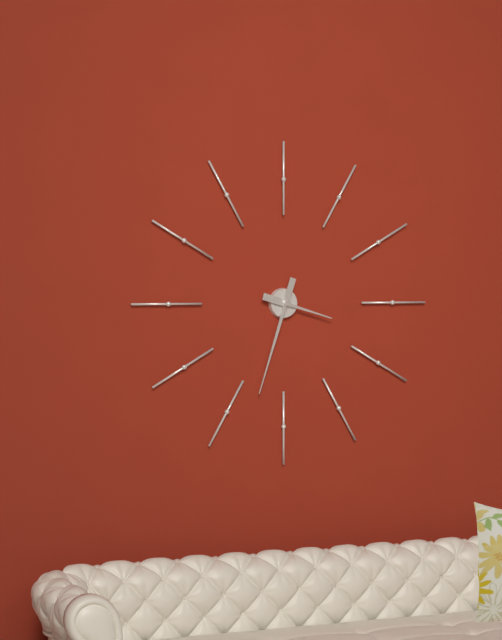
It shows {"hour": 3, "minute": 33}
